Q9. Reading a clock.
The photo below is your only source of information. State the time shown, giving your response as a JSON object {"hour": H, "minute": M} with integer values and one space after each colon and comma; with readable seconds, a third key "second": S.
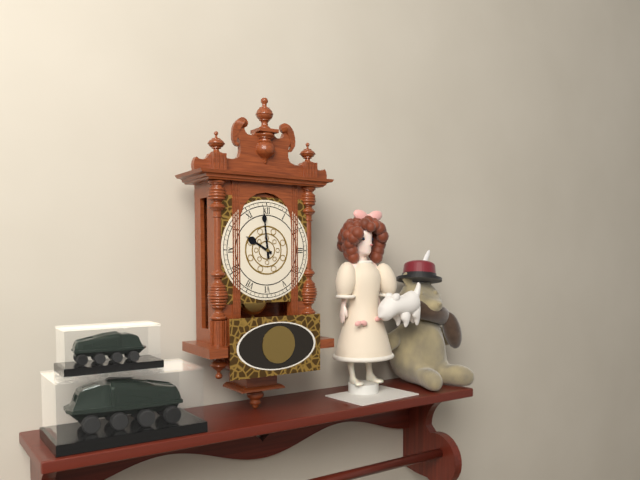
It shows {"hour": 9, "minute": 59}
